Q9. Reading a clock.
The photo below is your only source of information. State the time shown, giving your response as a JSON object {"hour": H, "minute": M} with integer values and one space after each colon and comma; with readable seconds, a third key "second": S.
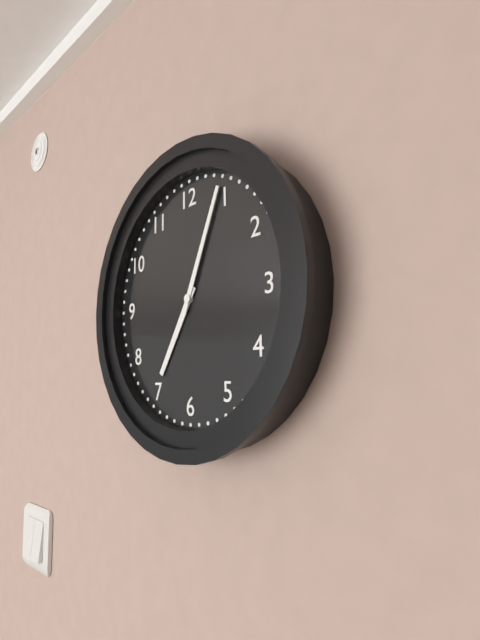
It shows {"hour": 7, "minute": 4}
